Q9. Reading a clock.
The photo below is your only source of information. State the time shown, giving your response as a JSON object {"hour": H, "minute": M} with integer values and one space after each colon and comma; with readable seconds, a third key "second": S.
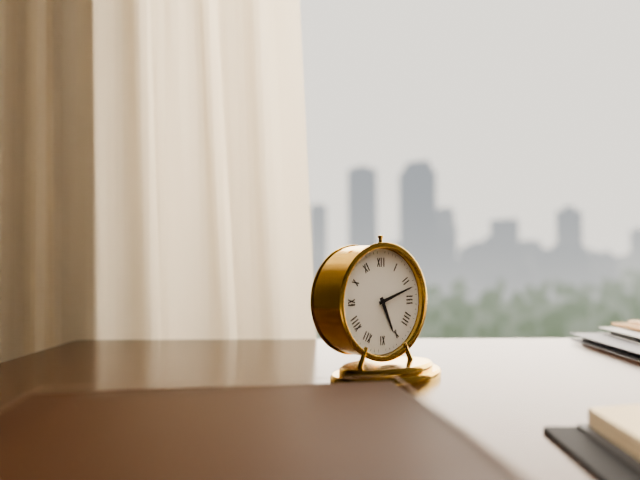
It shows {"hour": 5, "minute": 12}
